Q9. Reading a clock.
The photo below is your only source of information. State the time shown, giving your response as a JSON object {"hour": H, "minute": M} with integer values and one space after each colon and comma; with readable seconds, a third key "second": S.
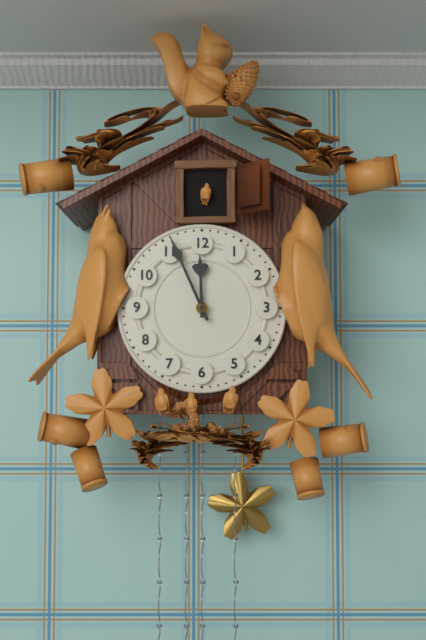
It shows {"hour": 11, "minute": 56}
